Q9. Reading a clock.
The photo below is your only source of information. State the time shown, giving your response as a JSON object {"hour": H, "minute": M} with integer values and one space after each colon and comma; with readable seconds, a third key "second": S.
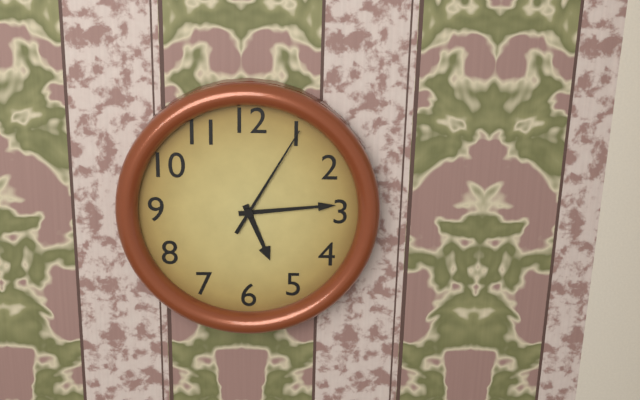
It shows {"hour": 5, "minute": 14, "second": 5}
